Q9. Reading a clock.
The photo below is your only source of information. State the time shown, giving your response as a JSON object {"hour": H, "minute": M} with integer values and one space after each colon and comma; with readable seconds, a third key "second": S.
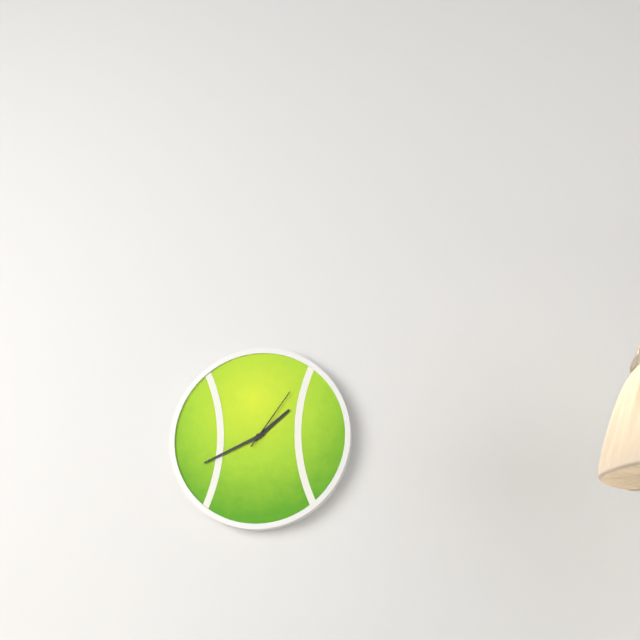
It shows {"hour": 1, "minute": 41, "second": 6}
